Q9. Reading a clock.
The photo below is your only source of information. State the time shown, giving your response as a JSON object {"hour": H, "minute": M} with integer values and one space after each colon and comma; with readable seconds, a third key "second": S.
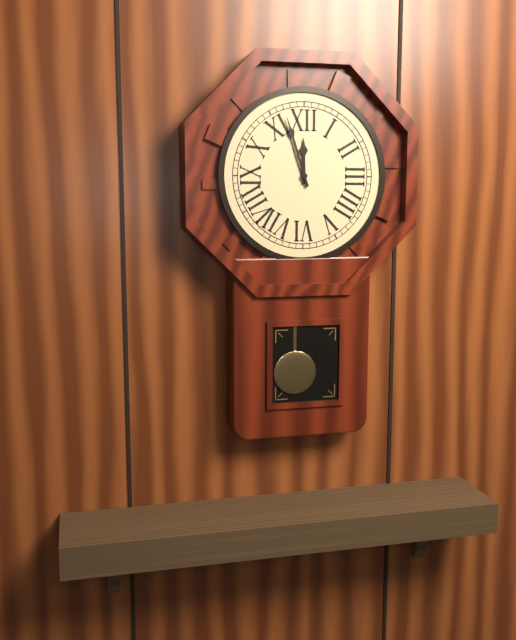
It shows {"hour": 11, "minute": 57}
